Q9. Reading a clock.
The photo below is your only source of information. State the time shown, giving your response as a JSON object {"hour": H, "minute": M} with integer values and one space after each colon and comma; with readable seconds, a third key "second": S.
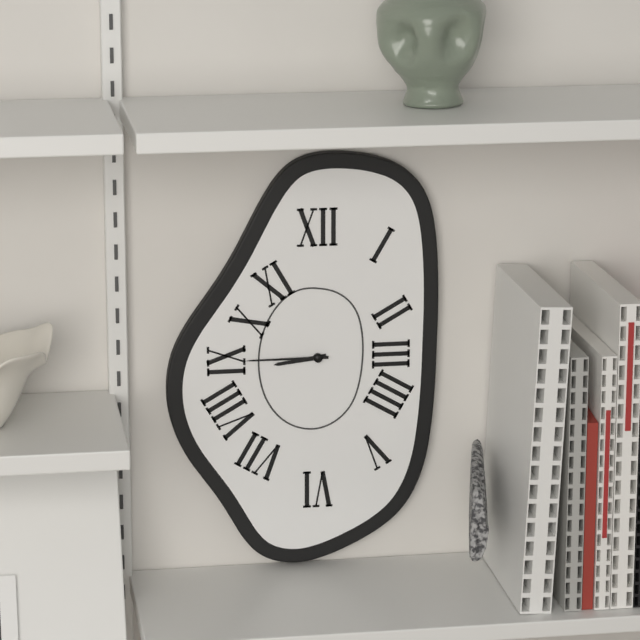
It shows {"hour": 8, "minute": 45}
